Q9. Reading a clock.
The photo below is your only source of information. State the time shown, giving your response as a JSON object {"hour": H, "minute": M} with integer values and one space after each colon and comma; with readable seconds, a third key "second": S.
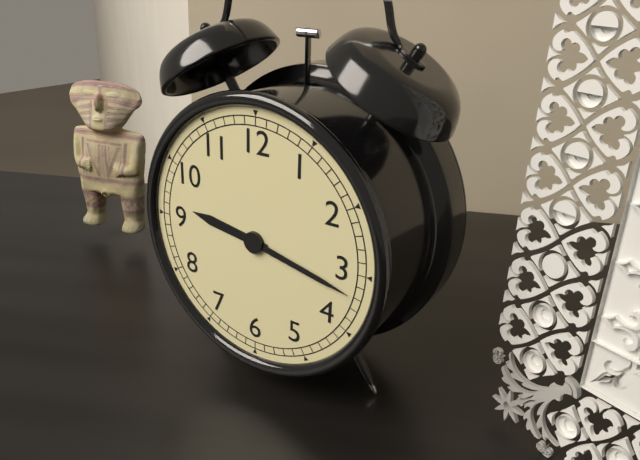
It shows {"hour": 9, "minute": 17}
